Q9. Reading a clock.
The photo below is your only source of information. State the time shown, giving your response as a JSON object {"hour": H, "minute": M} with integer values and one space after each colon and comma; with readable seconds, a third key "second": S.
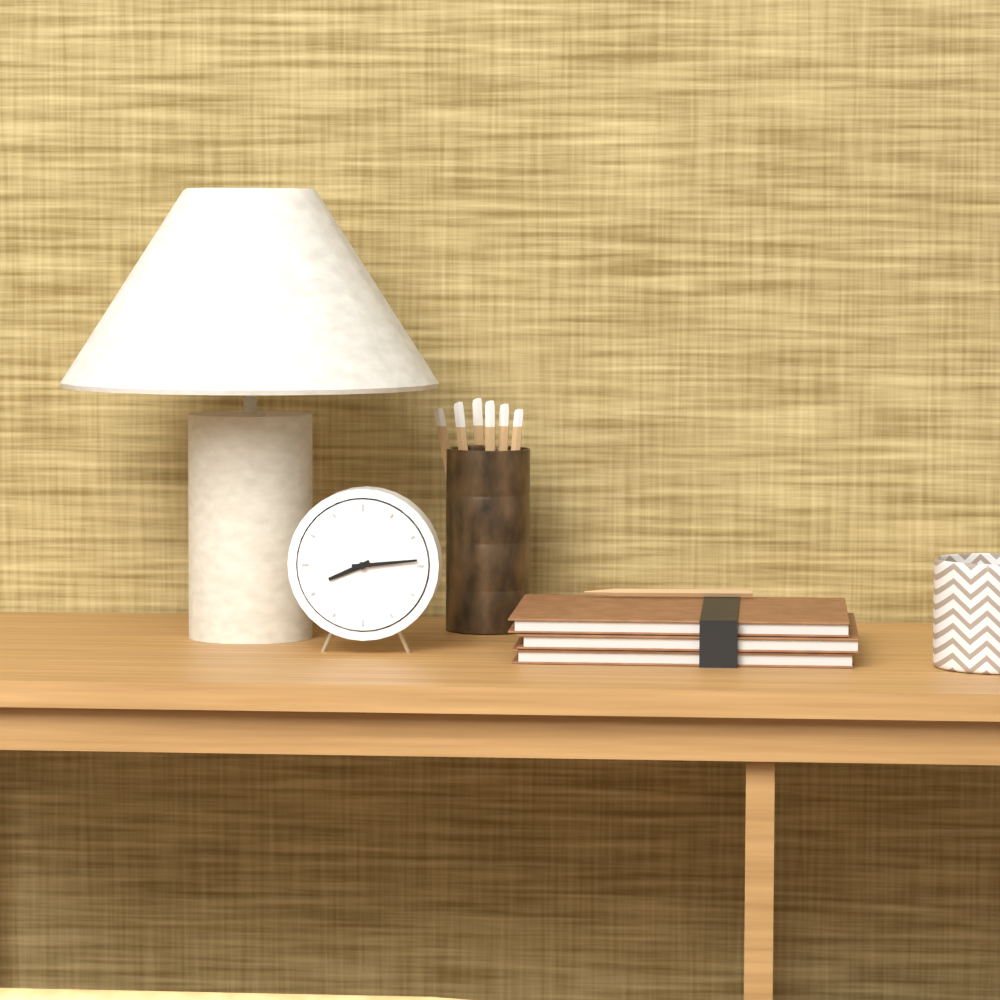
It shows {"hour": 8, "minute": 14}
